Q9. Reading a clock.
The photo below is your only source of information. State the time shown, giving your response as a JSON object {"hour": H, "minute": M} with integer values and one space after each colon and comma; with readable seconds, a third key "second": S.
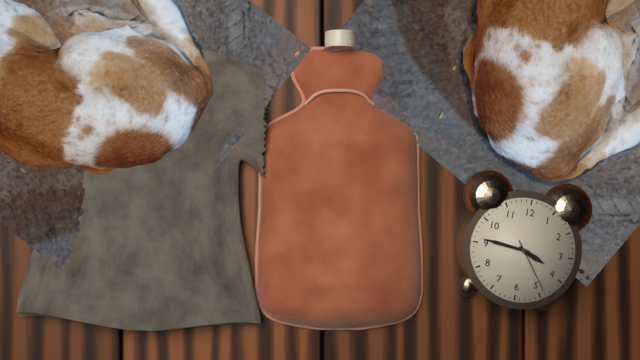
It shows {"hour": 3, "minute": 46, "second": 24}
